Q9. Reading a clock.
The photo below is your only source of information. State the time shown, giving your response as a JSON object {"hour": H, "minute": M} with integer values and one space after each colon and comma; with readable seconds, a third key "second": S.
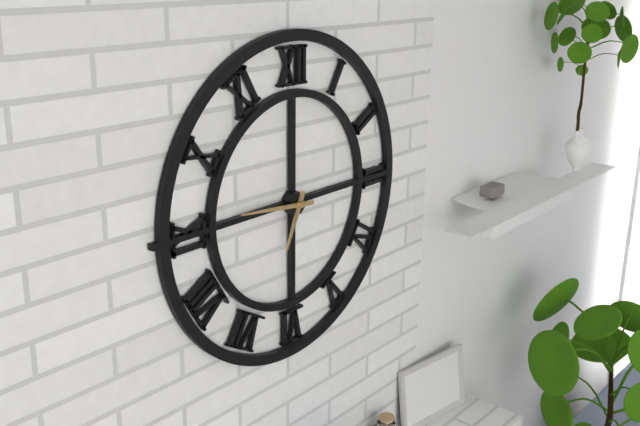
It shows {"hour": 6, "minute": 46}
